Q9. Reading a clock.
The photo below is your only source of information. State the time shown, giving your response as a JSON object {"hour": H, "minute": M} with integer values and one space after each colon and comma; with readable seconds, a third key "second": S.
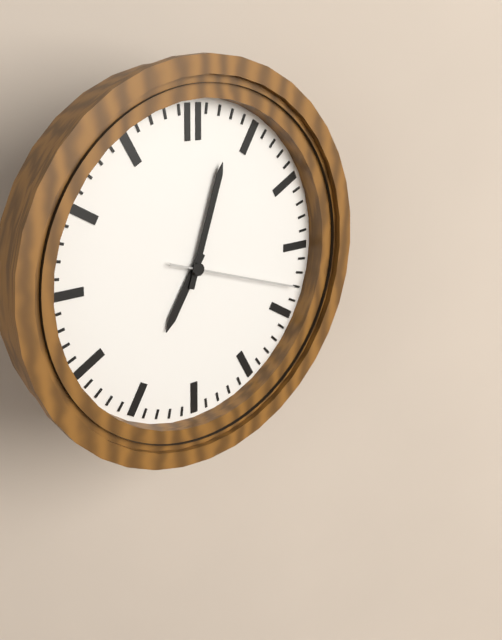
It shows {"hour": 7, "minute": 3, "second": 18}
